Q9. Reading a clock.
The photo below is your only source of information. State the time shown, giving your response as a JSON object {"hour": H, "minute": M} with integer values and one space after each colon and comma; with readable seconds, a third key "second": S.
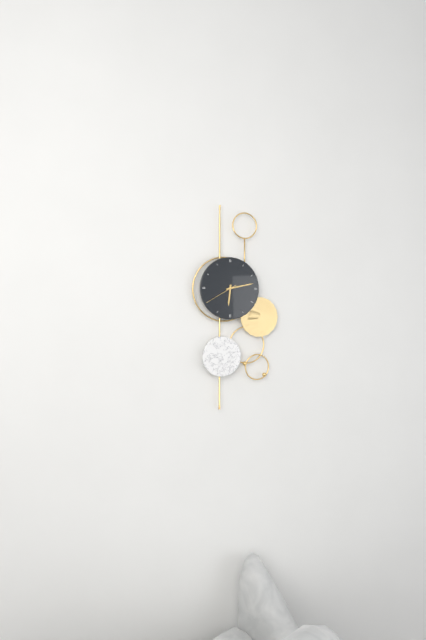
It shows {"hour": 6, "minute": 13}
